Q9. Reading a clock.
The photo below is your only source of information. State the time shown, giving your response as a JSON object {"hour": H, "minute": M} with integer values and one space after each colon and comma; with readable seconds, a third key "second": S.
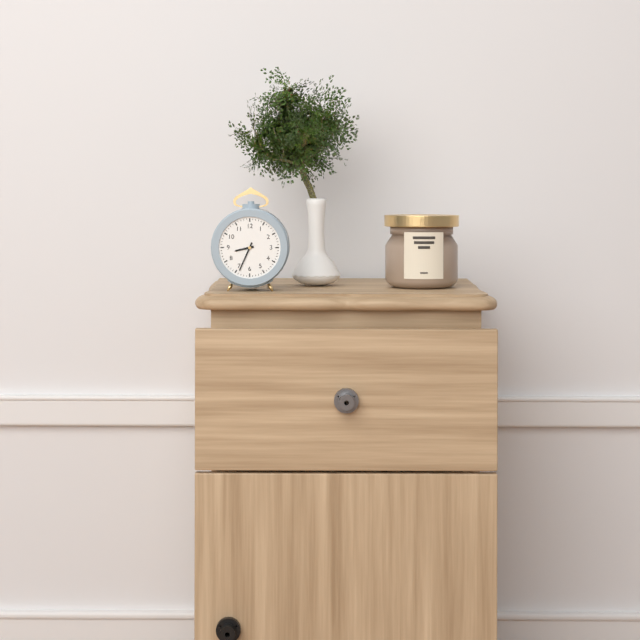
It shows {"hour": 8, "minute": 34}
